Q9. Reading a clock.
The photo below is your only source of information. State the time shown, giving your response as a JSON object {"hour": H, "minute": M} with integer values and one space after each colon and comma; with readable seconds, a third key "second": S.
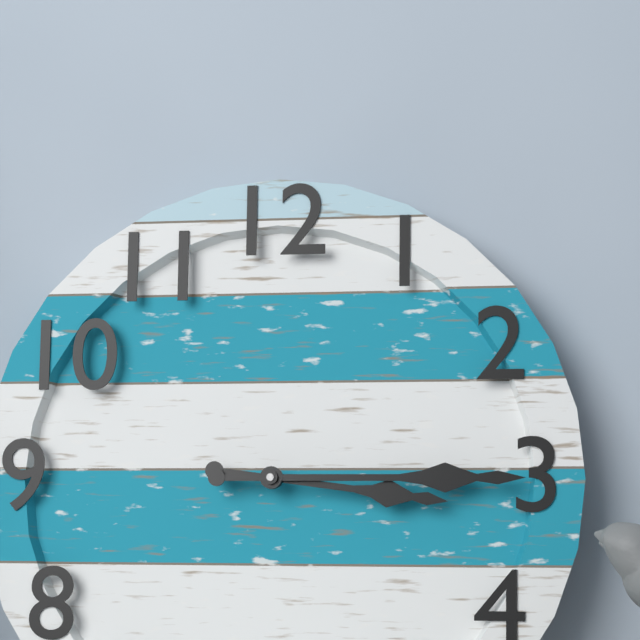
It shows {"hour": 3, "minute": 15}
